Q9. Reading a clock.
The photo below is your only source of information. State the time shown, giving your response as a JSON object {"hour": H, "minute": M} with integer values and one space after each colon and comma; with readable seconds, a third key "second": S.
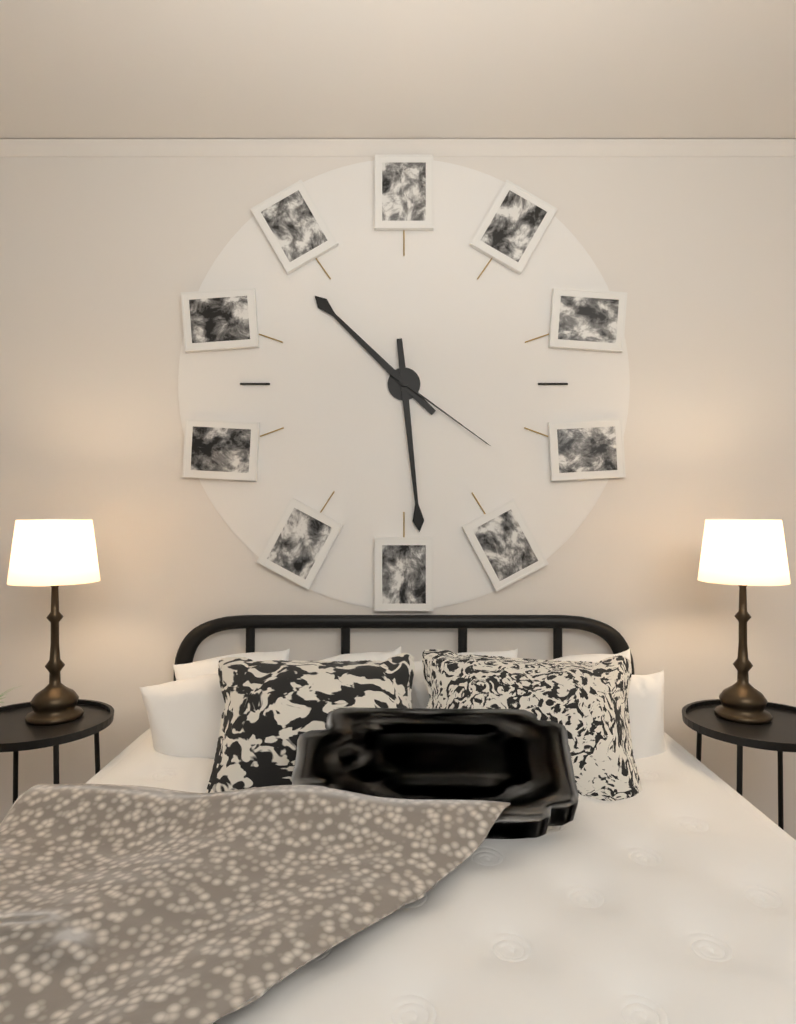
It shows {"hour": 10, "minute": 29, "second": 21}
